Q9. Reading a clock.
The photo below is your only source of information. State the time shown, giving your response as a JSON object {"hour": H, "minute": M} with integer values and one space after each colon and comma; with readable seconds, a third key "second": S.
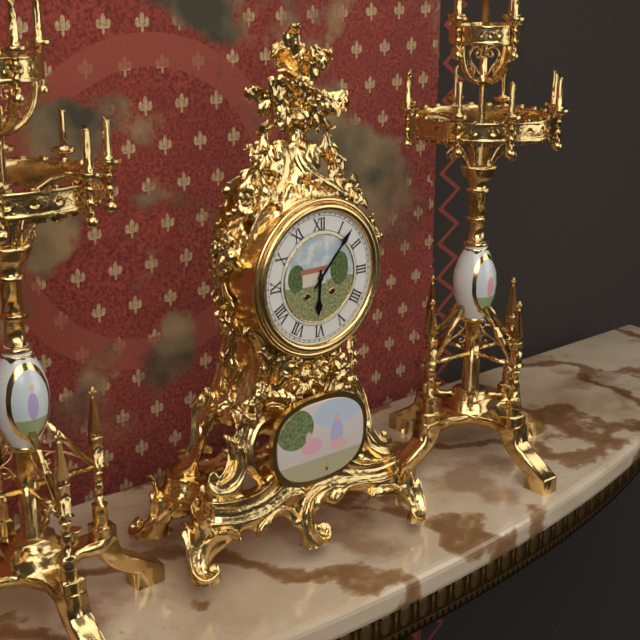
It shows {"hour": 6, "minute": 7}
